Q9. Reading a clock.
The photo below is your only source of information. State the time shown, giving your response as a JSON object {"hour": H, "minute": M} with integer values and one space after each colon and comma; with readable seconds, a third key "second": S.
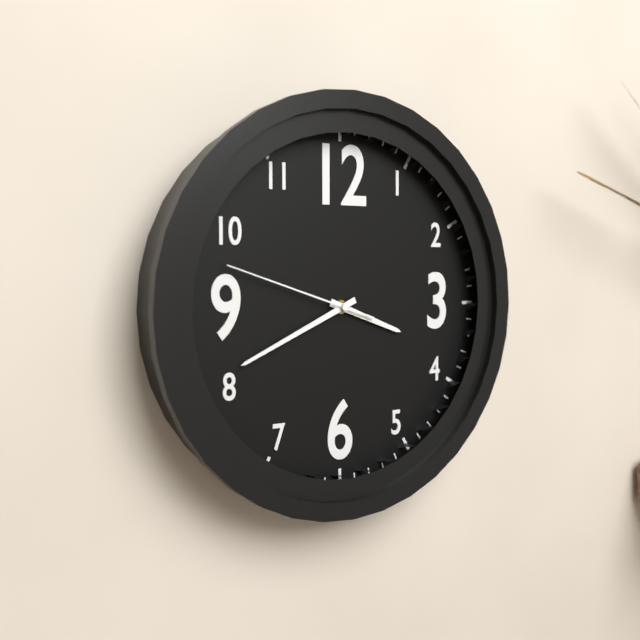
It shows {"hour": 3, "minute": 41, "second": 48}
